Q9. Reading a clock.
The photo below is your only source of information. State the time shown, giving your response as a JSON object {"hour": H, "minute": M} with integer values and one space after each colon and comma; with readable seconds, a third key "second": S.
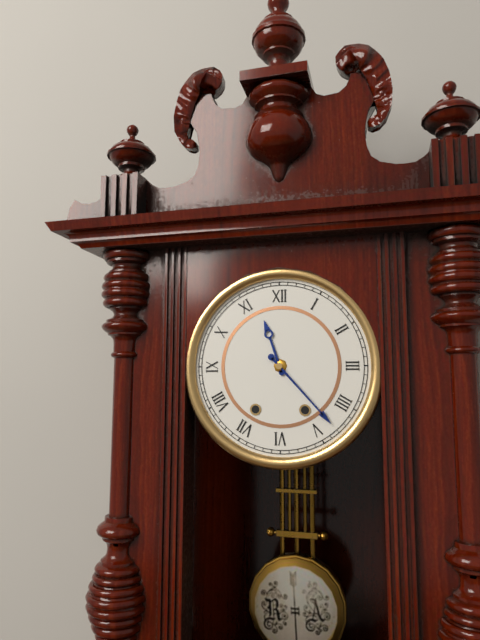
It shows {"hour": 11, "minute": 23}
